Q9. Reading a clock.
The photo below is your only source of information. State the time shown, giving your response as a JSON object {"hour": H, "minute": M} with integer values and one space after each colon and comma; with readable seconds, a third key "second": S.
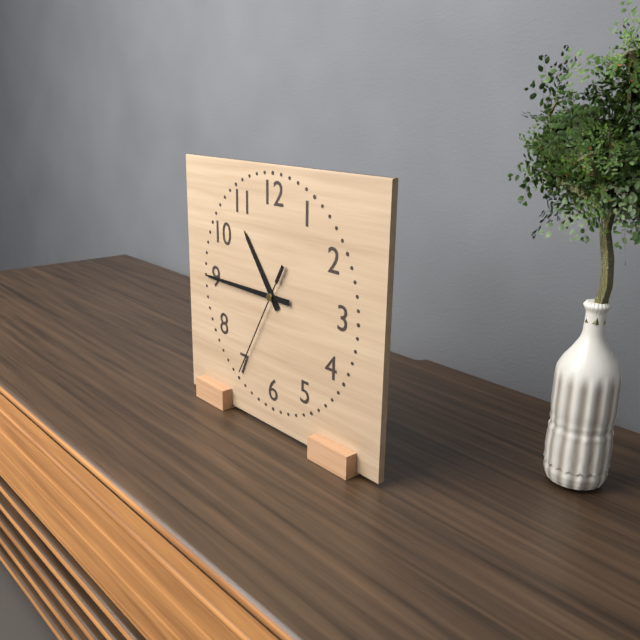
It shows {"hour": 10, "minute": 45, "second": 35}
